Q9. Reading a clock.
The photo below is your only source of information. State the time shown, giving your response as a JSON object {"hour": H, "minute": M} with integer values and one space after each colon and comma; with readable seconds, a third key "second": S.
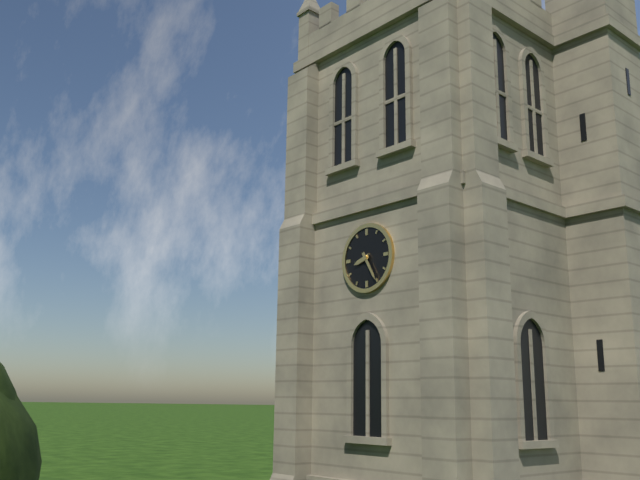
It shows {"hour": 8, "minute": 25}
